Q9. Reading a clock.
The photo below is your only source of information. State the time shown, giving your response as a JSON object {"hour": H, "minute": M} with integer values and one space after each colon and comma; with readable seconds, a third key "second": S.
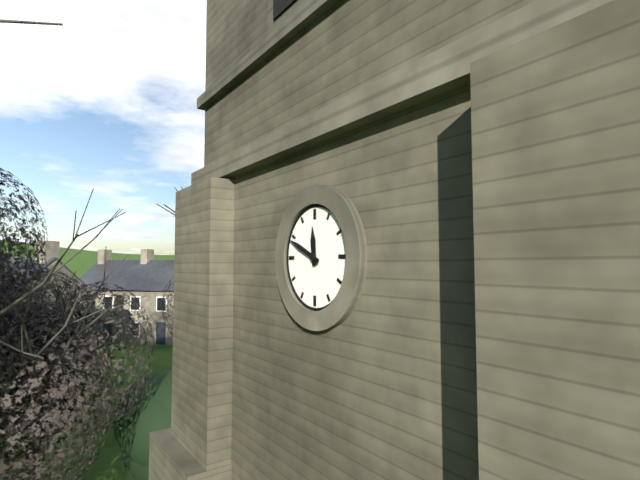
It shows {"hour": 11, "minute": 49}
